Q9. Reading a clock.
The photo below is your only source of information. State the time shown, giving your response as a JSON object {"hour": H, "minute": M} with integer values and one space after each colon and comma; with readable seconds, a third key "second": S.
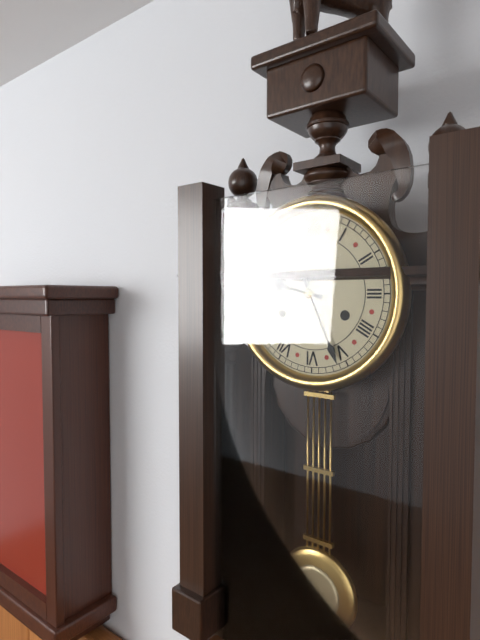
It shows {"hour": 9, "minute": 26}
